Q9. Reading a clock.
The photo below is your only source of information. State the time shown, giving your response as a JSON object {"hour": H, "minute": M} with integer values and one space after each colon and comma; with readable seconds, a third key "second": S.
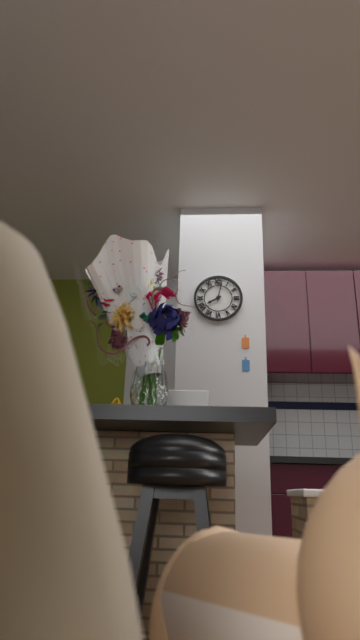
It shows {"hour": 8, "minute": 2}
